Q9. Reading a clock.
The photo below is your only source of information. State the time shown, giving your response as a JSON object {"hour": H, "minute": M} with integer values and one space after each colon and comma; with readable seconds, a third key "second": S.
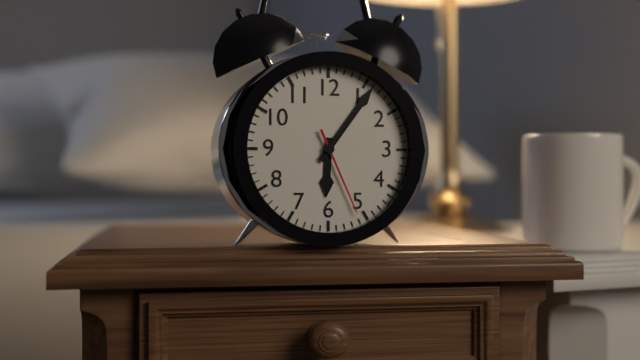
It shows {"hour": 6, "minute": 6, "second": 26}
